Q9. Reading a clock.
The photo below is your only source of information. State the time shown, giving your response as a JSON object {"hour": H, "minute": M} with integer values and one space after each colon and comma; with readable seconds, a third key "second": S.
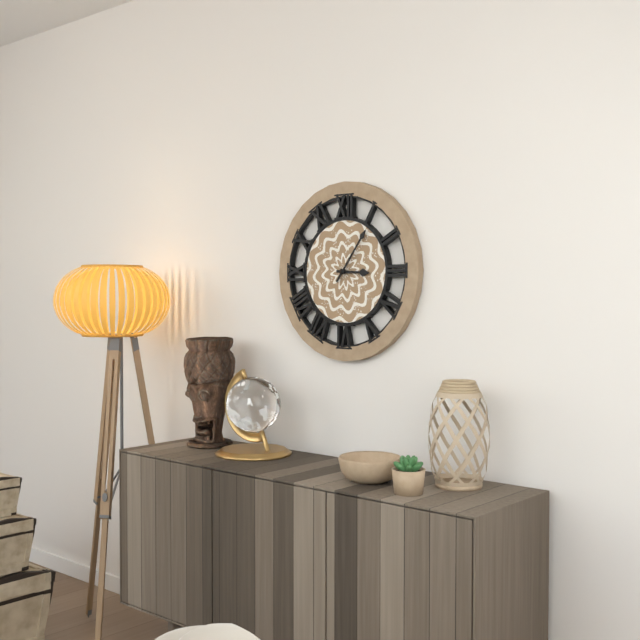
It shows {"hour": 3, "minute": 6}
